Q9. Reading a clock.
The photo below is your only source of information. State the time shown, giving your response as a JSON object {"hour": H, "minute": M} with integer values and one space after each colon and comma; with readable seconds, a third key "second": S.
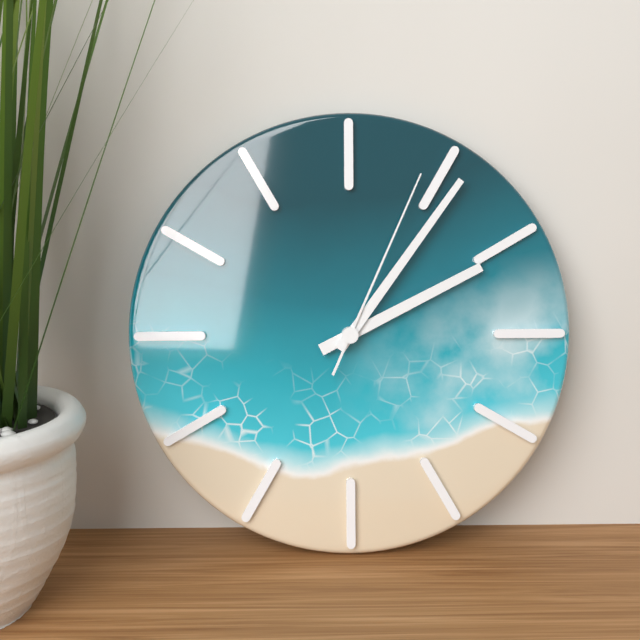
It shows {"hour": 2, "minute": 6, "second": 4}
